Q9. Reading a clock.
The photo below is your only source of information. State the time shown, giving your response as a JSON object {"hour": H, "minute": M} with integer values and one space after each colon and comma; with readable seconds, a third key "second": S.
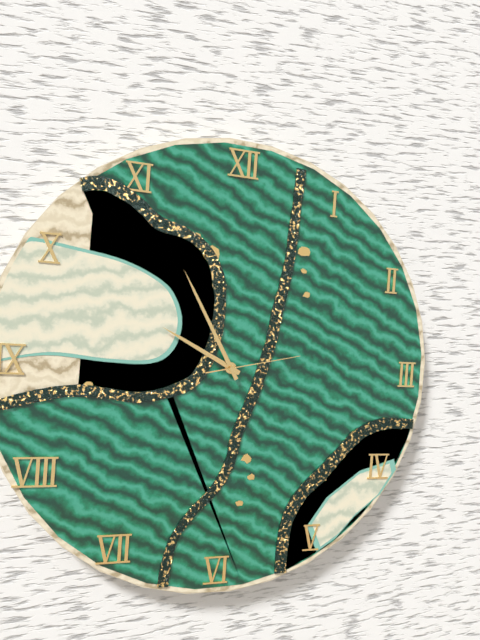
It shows {"hour": 9, "minute": 55, "second": 13}
